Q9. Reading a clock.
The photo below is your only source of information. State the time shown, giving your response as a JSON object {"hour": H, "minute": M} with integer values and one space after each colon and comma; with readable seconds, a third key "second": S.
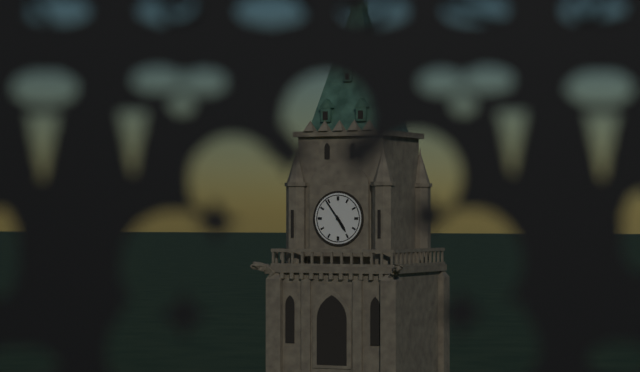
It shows {"hour": 4, "minute": 54}
